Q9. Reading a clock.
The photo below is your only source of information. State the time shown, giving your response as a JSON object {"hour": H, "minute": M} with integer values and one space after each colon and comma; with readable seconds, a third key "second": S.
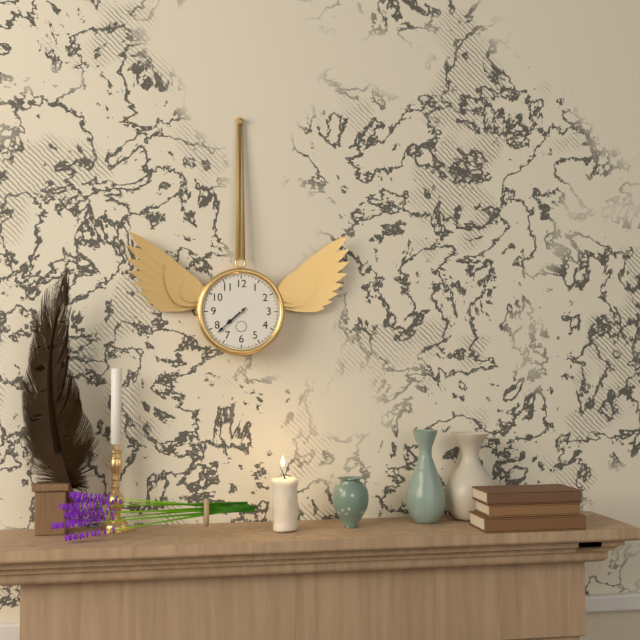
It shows {"hour": 7, "minute": 38}
